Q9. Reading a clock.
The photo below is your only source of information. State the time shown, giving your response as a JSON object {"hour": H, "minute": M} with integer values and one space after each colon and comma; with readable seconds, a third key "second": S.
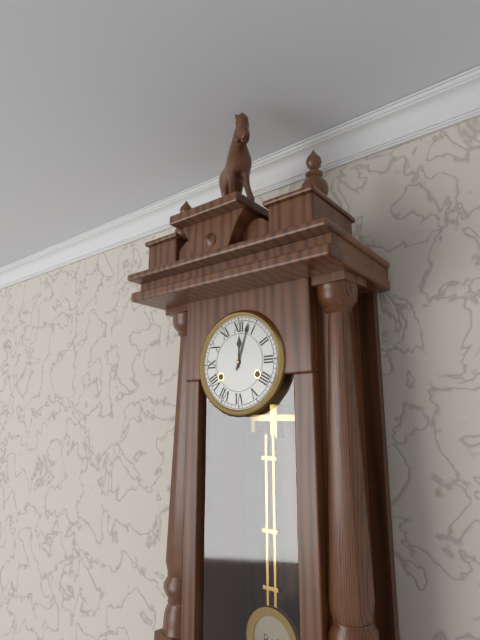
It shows {"hour": 12, "minute": 3}
